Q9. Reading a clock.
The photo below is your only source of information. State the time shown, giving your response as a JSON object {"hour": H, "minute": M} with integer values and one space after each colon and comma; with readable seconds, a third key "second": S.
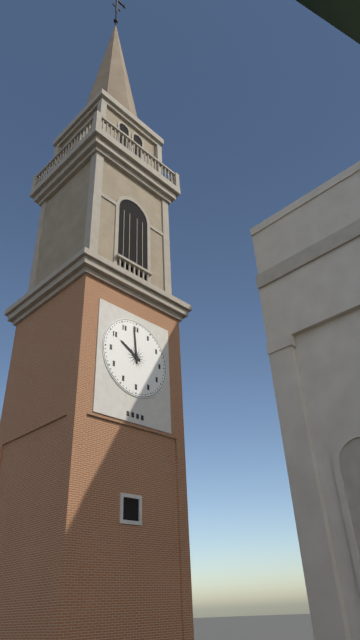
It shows {"hour": 9, "minute": 59}
